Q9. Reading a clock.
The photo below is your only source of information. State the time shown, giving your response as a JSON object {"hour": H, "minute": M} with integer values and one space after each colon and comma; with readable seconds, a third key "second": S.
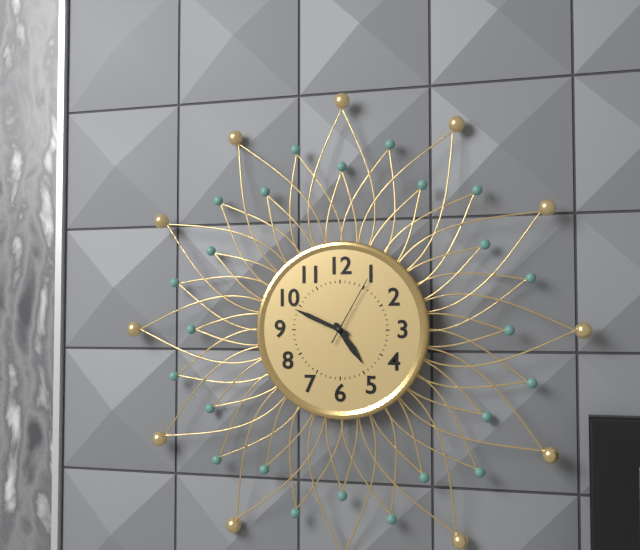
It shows {"hour": 4, "minute": 49, "second": 5}
